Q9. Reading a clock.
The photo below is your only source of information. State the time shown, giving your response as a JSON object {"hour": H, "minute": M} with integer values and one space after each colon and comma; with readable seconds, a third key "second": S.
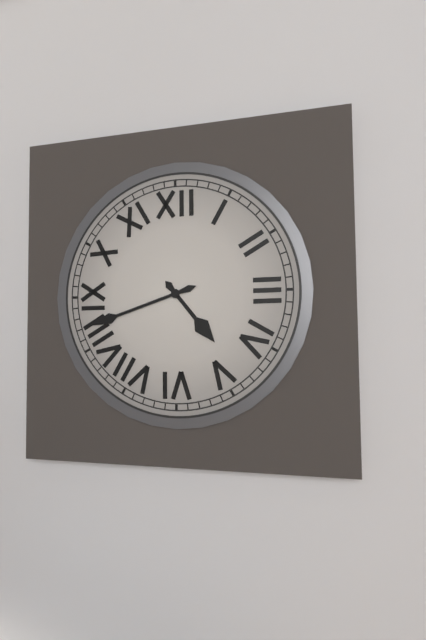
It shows {"hour": 4, "minute": 42}
